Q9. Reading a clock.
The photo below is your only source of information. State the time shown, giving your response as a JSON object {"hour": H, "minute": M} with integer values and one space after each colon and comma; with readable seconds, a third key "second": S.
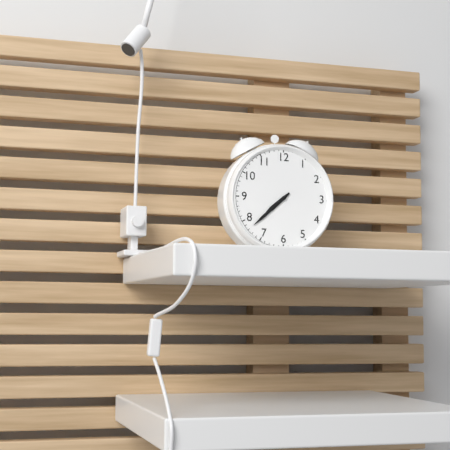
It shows {"hour": 7, "minute": 38}
